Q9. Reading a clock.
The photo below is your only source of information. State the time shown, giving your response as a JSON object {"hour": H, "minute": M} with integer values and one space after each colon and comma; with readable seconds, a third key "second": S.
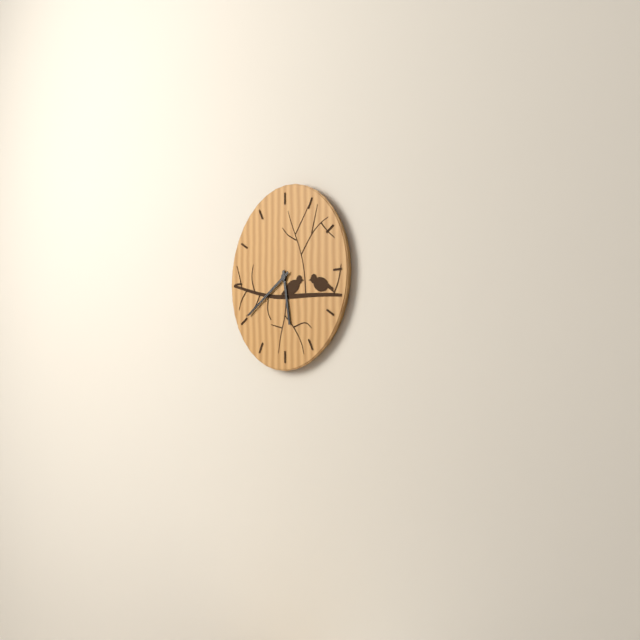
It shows {"hour": 5, "minute": 40}
